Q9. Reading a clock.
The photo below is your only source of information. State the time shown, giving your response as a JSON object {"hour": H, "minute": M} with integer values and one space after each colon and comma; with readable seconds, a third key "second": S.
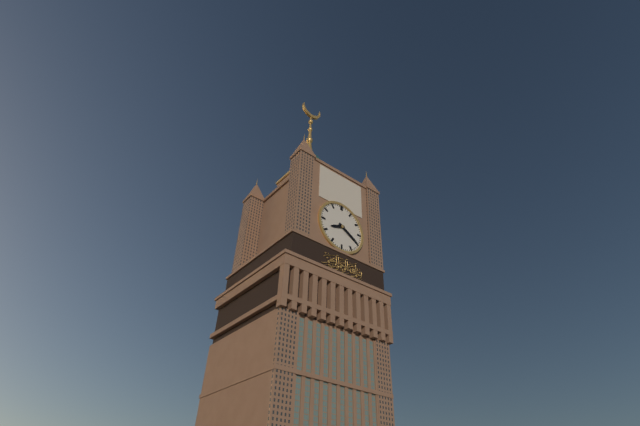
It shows {"hour": 8, "minute": 20}
